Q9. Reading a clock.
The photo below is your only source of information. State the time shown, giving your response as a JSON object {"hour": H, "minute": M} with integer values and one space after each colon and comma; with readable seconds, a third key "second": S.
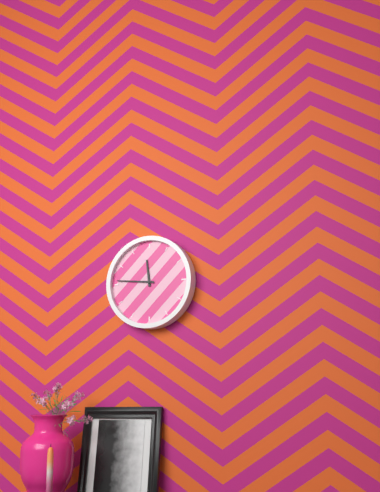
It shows {"hour": 11, "minute": 46}
